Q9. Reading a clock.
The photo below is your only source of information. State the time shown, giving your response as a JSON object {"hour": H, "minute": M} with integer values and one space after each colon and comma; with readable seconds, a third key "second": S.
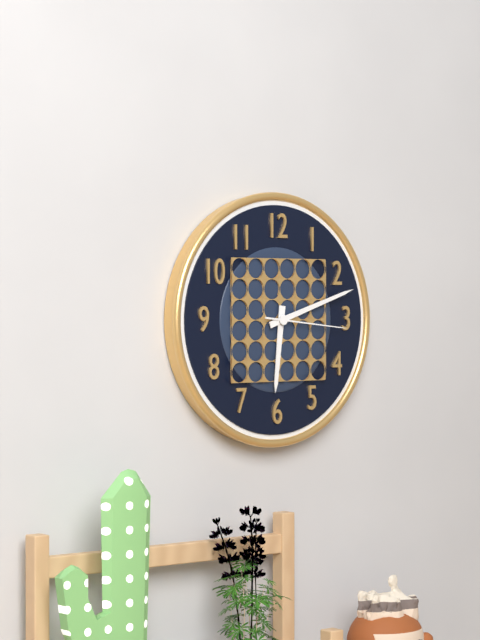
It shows {"hour": 6, "minute": 12, "second": 16}
